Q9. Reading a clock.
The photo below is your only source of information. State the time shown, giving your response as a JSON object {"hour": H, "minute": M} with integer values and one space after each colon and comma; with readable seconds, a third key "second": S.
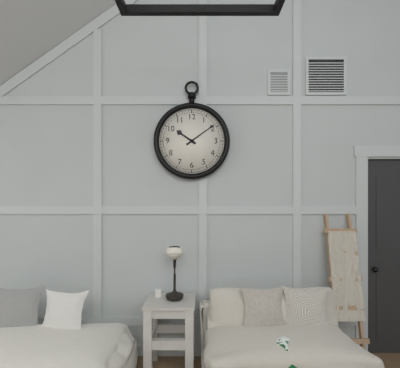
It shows {"hour": 10, "minute": 9}
